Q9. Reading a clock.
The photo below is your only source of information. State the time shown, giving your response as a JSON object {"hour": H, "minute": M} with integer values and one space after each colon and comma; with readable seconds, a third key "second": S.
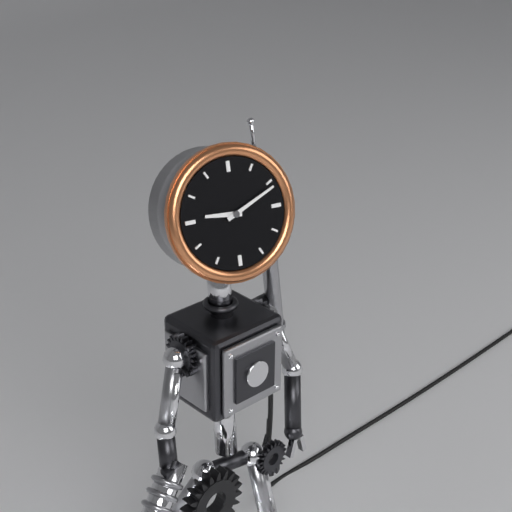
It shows {"hour": 9, "minute": 11}
